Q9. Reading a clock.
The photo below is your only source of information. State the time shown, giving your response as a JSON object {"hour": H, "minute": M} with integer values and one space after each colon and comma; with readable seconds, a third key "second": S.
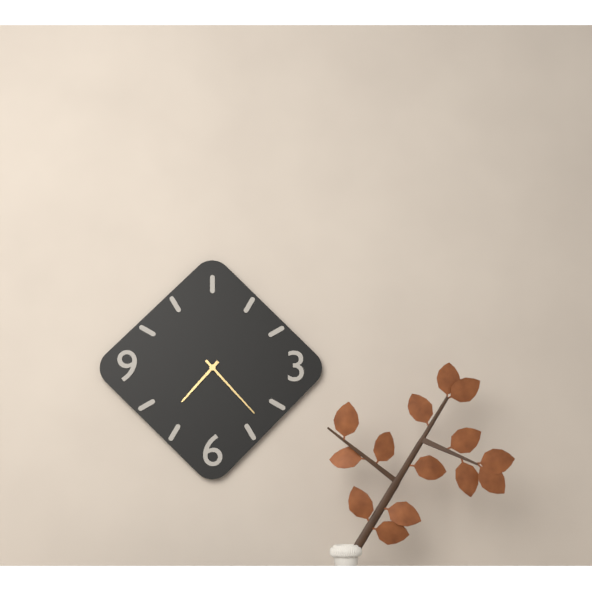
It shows {"hour": 7, "minute": 23}
